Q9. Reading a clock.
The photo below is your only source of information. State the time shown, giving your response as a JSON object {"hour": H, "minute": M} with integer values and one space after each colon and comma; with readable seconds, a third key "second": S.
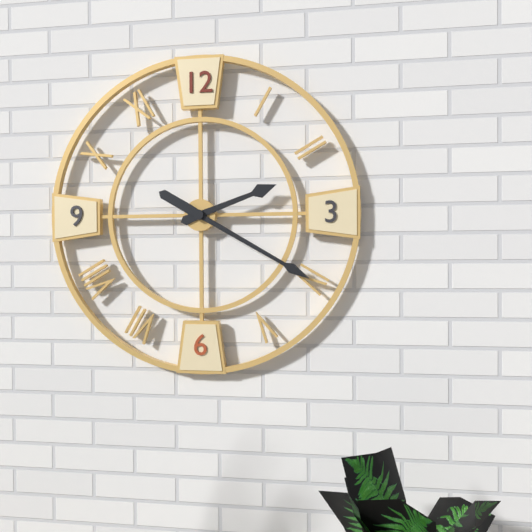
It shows {"hour": 2, "minute": 20}
